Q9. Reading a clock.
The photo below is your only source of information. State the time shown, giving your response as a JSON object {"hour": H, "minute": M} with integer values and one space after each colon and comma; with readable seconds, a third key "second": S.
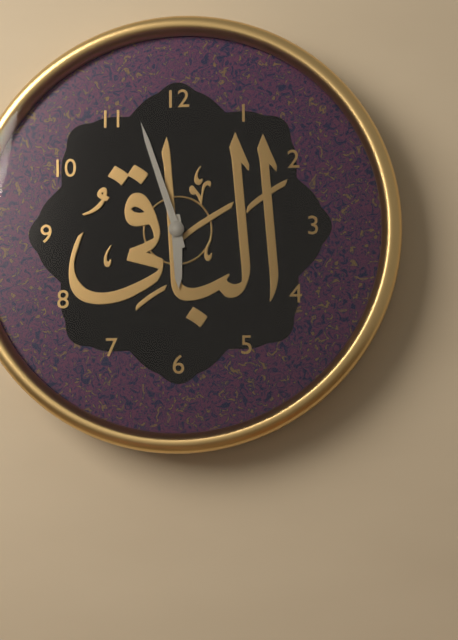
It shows {"hour": 5, "minute": 57}
